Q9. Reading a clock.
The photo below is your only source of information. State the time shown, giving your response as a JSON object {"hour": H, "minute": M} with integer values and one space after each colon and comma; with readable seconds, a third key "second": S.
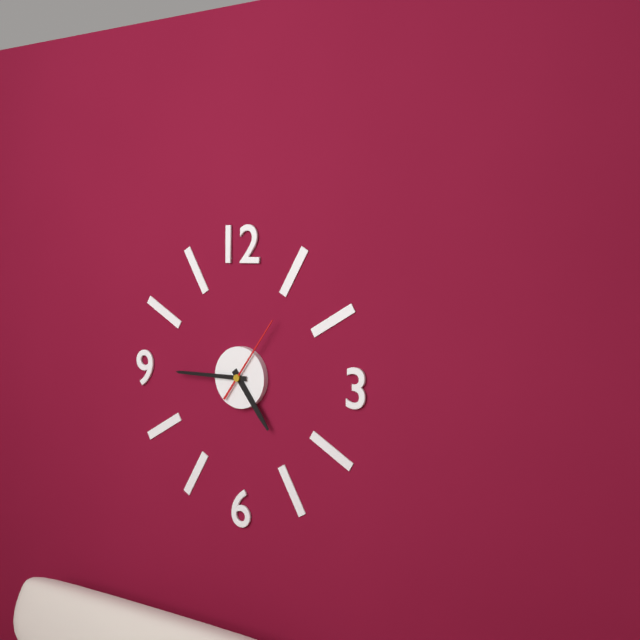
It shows {"hour": 4, "minute": 45, "second": 6}
